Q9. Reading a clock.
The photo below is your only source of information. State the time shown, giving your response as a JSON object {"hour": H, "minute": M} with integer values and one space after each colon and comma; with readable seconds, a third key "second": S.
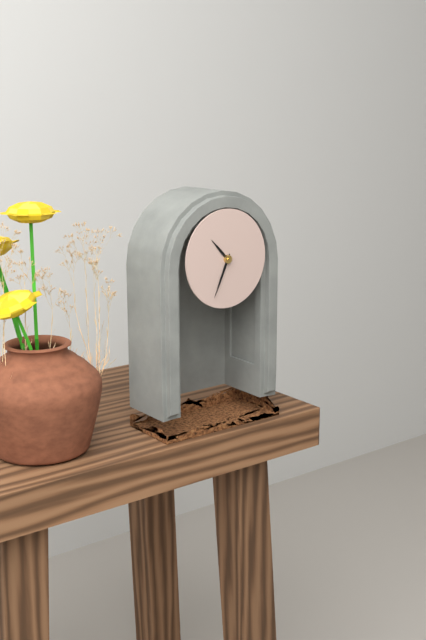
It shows {"hour": 10, "minute": 34}
